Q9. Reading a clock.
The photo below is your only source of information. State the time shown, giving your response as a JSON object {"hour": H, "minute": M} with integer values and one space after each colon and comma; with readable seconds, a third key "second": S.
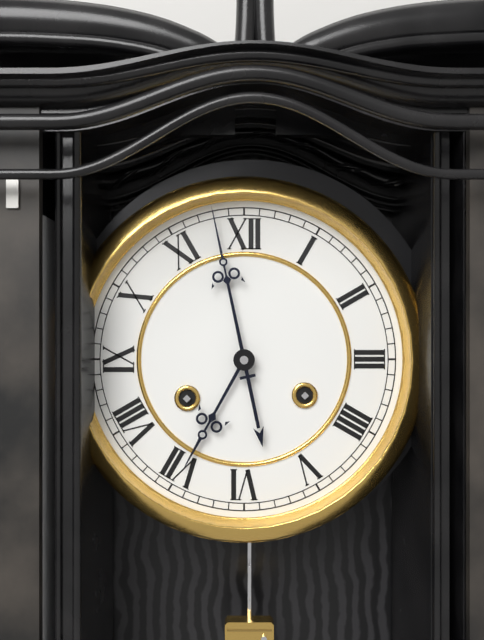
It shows {"hour": 6, "minute": 58}
